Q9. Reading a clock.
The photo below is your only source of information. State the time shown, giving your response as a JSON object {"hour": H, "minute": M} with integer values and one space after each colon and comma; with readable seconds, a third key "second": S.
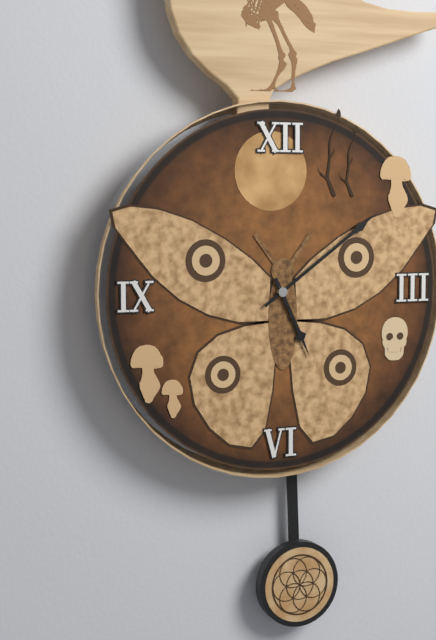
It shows {"hour": 5, "minute": 9}
